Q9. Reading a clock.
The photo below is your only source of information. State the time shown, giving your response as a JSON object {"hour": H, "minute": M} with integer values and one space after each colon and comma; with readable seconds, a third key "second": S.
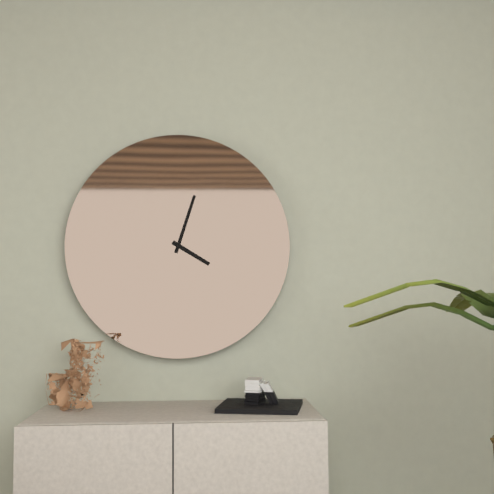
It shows {"hour": 4, "minute": 3}
